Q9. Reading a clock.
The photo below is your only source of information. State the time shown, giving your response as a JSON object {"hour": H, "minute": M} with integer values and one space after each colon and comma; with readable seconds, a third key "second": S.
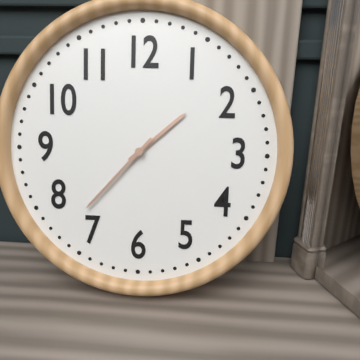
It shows {"hour": 1, "minute": 37}
